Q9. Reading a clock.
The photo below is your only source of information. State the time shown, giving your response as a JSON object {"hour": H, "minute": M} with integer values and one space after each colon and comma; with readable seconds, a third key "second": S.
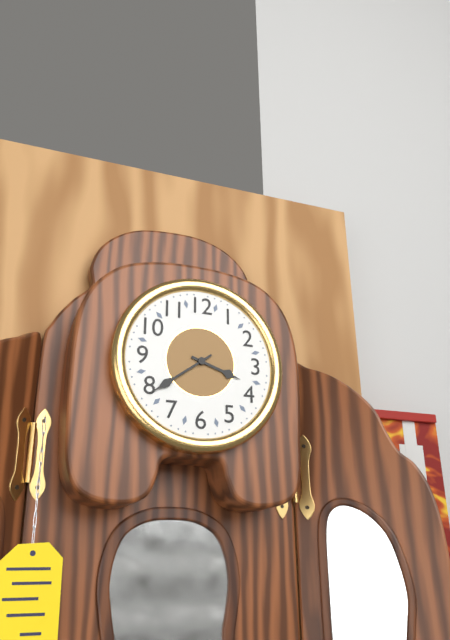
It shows {"hour": 3, "minute": 39}
